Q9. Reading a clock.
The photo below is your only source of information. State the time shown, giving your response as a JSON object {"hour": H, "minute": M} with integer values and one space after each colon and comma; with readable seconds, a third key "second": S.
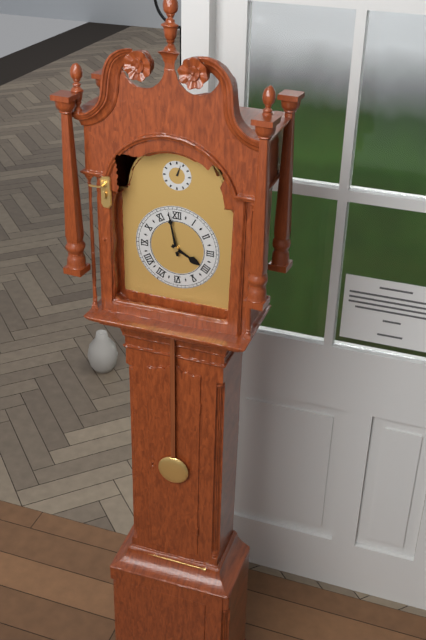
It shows {"hour": 3, "minute": 58}
